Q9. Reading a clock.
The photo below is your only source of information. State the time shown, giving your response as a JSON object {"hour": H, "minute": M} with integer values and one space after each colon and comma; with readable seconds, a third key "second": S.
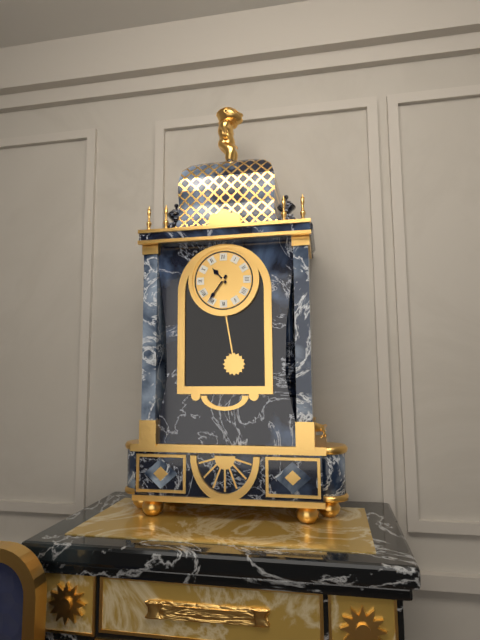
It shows {"hour": 10, "minute": 36}
